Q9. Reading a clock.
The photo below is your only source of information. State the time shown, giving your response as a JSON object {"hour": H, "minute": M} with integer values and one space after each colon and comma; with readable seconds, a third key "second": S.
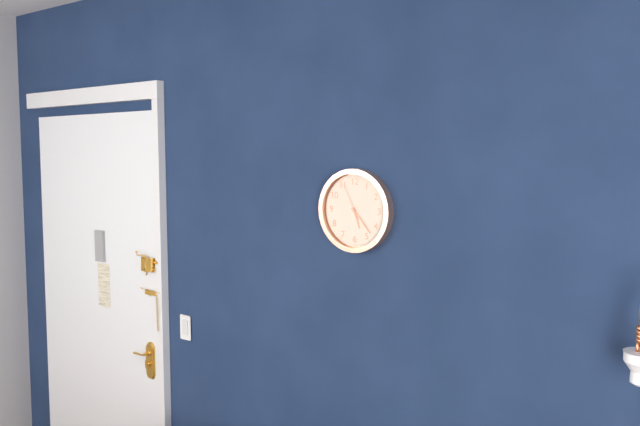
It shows {"hour": 5, "minute": 23}
